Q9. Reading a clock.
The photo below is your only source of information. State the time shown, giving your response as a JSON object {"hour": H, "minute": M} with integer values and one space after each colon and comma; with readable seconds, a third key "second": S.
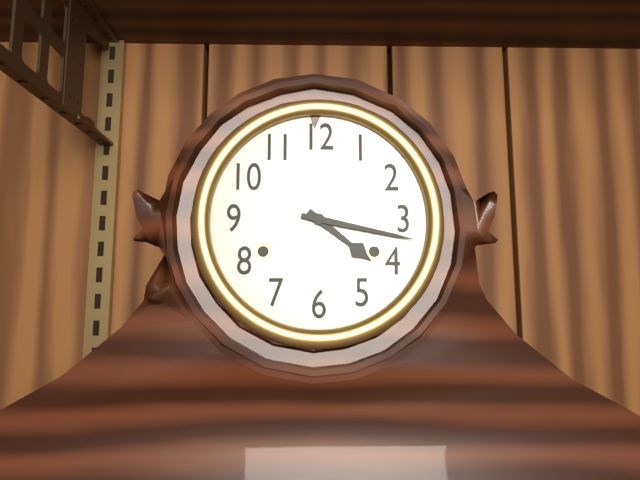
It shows {"hour": 4, "minute": 17}
